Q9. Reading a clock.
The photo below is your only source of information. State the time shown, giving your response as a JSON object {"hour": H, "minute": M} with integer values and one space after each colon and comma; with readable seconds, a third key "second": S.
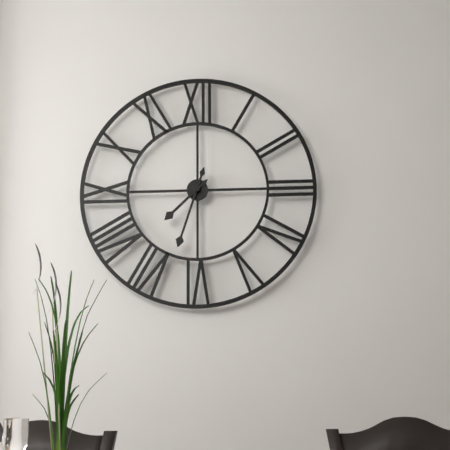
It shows {"hour": 7, "minute": 33}
